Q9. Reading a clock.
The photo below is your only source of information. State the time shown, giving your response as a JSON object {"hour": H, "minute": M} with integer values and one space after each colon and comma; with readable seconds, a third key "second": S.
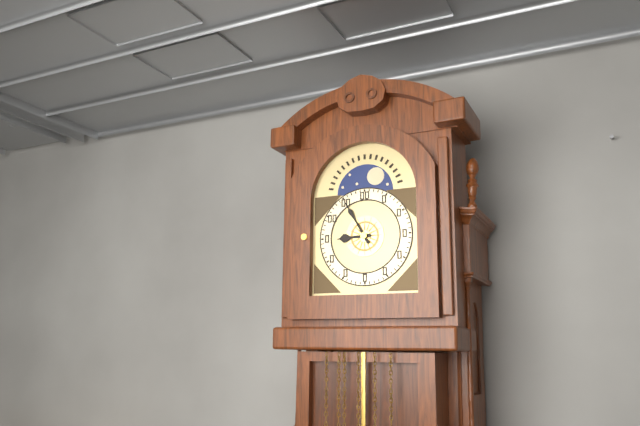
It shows {"hour": 8, "minute": 55}
